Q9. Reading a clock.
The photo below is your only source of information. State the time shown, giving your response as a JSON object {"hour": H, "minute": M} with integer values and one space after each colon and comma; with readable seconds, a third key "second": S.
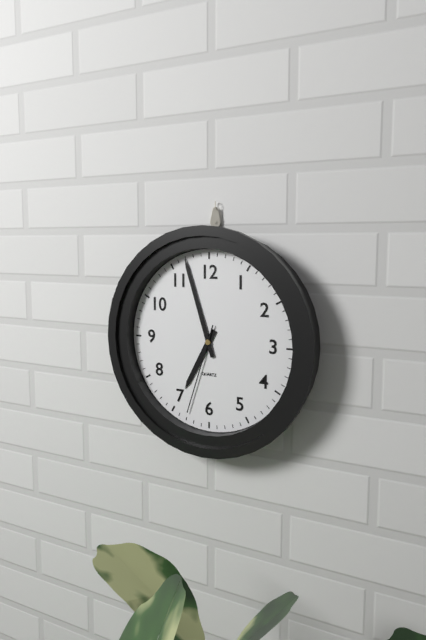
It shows {"hour": 6, "minute": 57, "second": 33}
